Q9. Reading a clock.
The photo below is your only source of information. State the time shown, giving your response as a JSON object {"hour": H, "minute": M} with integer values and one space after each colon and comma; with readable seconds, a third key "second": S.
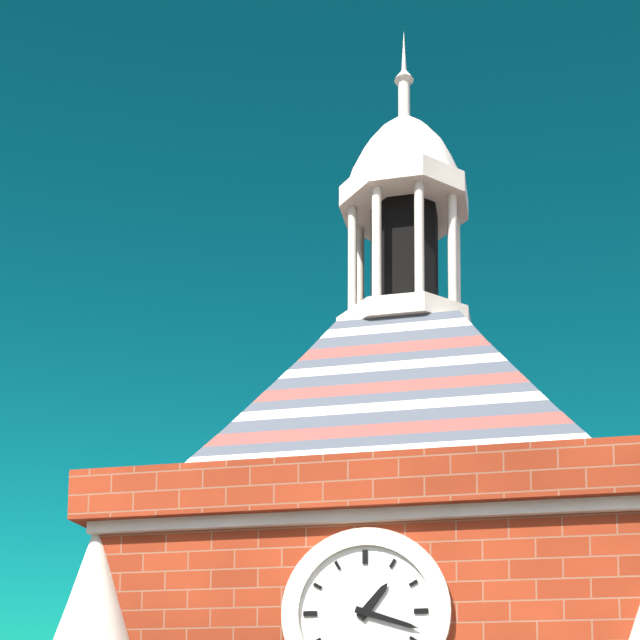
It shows {"hour": 1, "minute": 18}
